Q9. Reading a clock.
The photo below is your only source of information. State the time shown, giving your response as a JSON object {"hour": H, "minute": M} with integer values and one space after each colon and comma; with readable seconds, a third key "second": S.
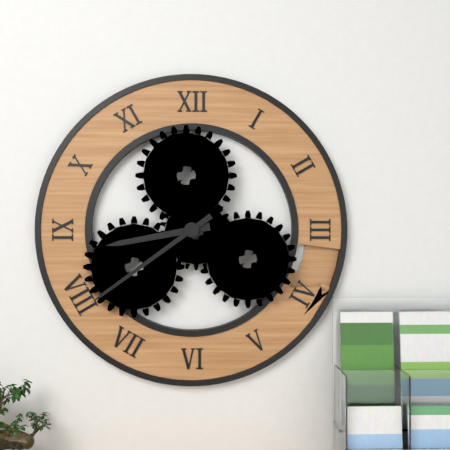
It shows {"hour": 8, "minute": 39}
